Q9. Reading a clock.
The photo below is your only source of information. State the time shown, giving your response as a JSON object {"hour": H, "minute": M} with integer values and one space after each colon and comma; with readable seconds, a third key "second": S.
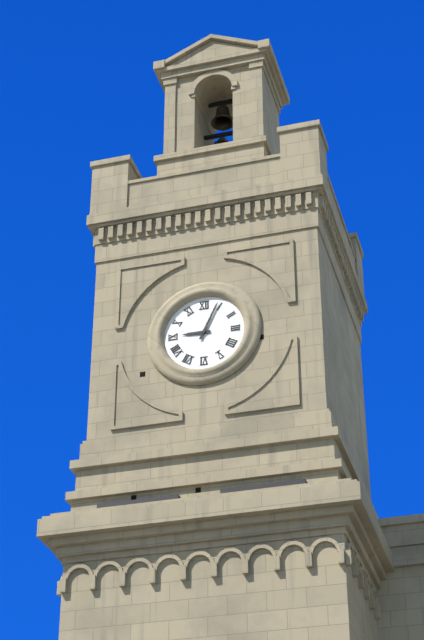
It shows {"hour": 9, "minute": 4}
